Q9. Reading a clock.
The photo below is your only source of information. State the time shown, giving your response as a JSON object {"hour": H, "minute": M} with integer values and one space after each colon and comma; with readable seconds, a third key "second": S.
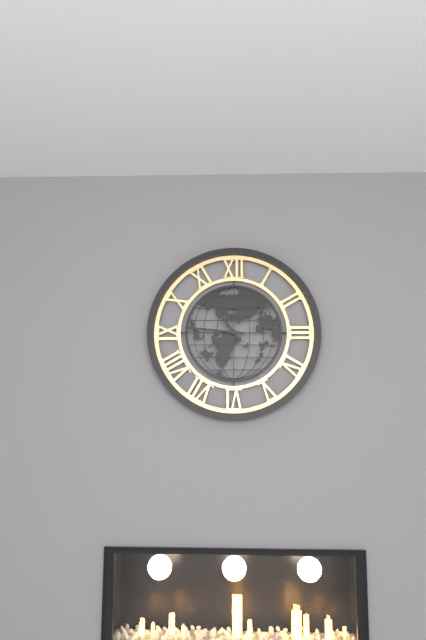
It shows {"hour": 10, "minute": 46}
